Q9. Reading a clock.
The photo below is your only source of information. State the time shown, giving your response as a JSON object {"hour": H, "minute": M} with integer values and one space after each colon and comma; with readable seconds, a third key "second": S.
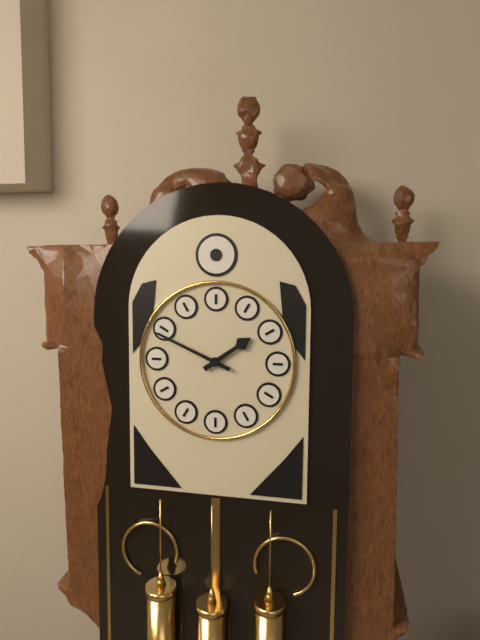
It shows {"hour": 1, "minute": 49}
